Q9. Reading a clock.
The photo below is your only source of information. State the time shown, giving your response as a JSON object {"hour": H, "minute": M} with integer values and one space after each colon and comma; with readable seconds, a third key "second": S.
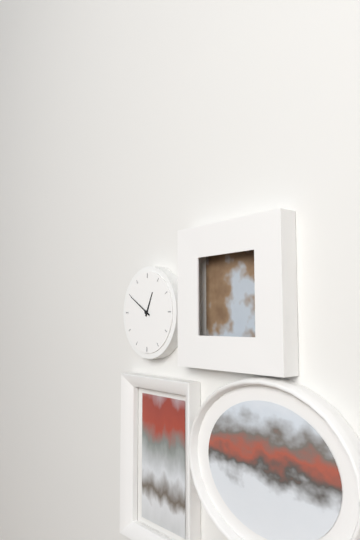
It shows {"hour": 12, "minute": 50}
